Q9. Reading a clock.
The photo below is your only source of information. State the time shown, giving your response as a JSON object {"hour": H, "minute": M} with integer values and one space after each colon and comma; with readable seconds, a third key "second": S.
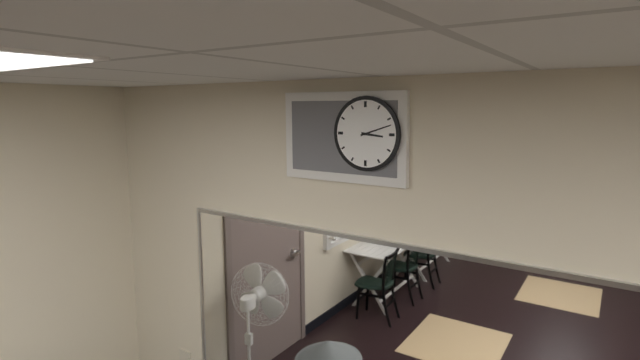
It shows {"hour": 3, "minute": 12}
